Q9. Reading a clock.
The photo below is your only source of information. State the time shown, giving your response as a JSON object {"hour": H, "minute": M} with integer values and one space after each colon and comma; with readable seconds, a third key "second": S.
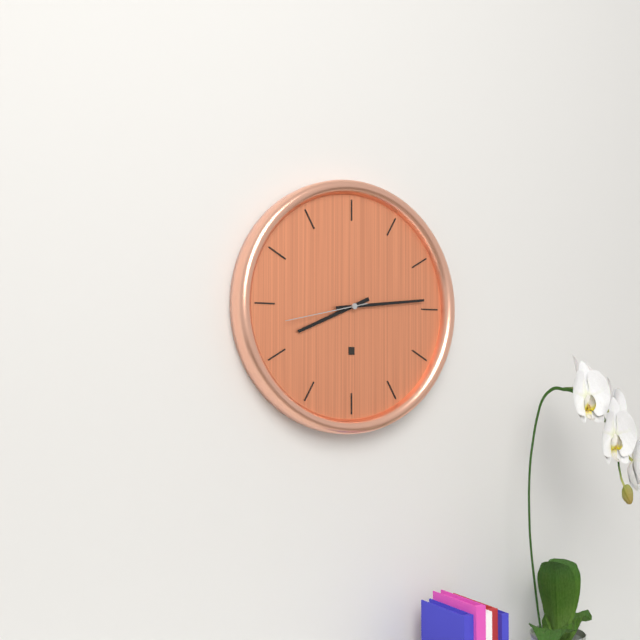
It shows {"hour": 8, "minute": 14, "second": 43}
